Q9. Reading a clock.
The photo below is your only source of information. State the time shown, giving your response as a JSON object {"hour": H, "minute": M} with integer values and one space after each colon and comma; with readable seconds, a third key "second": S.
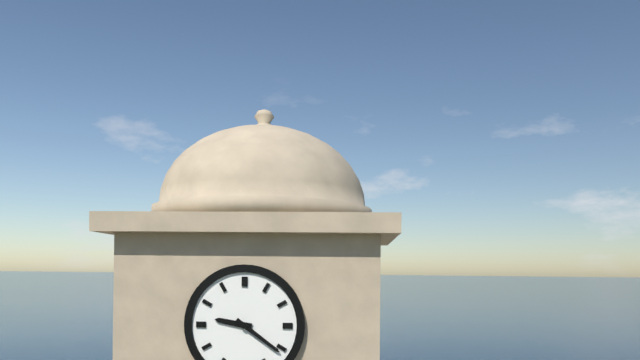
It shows {"hour": 9, "minute": 21}
